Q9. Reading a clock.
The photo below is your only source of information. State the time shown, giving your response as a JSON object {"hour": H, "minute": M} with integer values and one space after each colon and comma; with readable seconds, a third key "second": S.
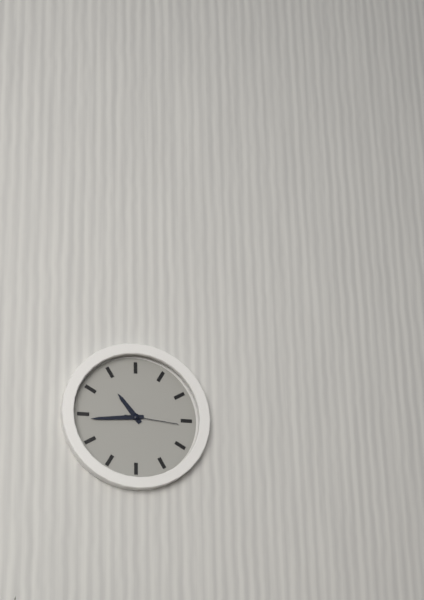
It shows {"hour": 10, "minute": 44, "second": 16}
